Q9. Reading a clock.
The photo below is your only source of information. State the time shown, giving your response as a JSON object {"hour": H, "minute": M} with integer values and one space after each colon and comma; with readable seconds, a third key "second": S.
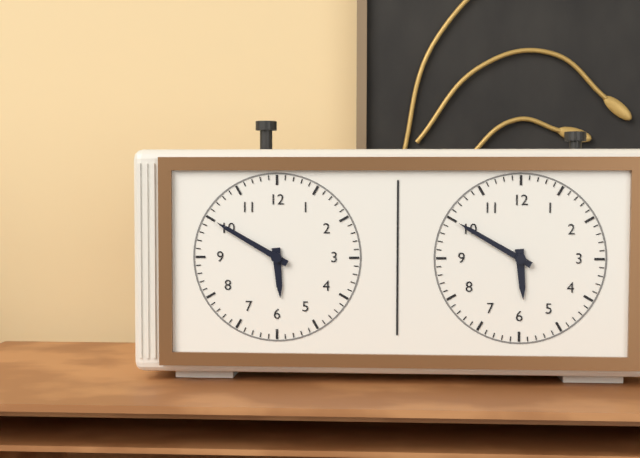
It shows {"hour": 5, "minute": 50}
